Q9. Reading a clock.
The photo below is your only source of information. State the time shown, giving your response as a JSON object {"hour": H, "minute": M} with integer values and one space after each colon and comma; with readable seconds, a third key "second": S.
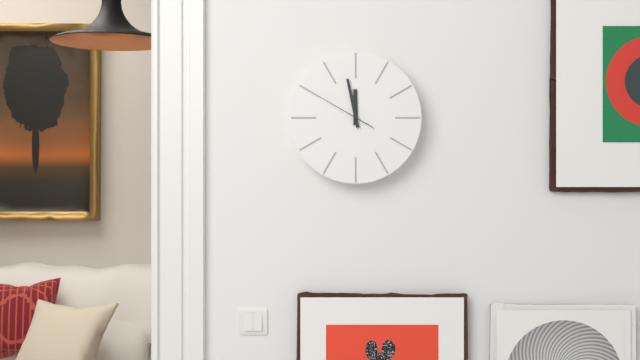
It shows {"hour": 11, "minute": 58}
